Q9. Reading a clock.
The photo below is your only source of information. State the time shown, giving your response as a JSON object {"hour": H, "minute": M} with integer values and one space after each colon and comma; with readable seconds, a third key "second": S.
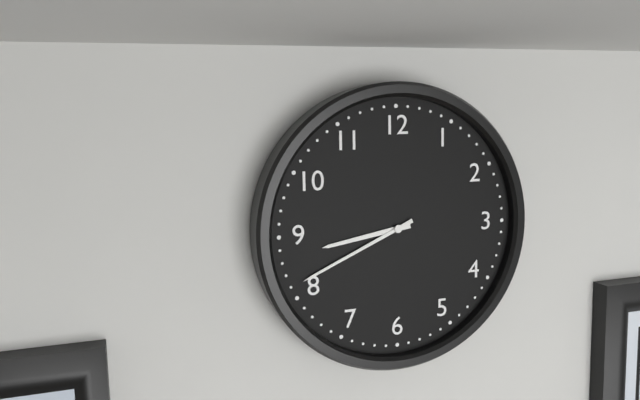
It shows {"hour": 8, "minute": 41}
